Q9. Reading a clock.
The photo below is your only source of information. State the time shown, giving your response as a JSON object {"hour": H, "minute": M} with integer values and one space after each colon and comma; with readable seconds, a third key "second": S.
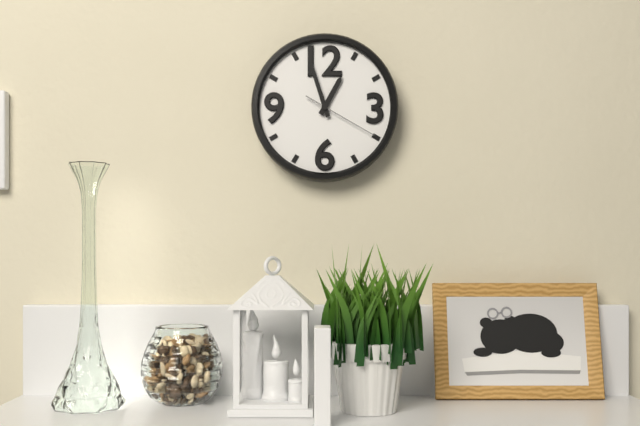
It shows {"hour": 12, "minute": 57, "second": 20}
